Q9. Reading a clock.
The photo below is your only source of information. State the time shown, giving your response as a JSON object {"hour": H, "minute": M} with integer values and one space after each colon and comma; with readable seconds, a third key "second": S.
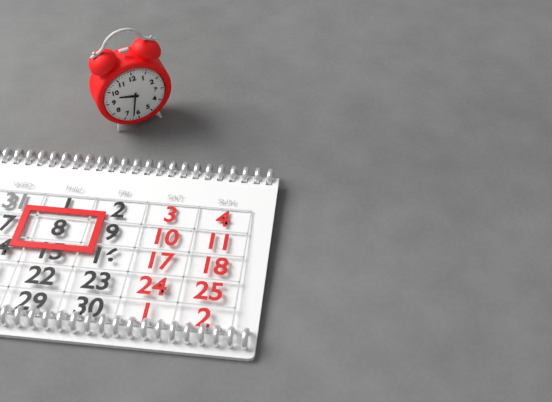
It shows {"hour": 9, "minute": 32}
